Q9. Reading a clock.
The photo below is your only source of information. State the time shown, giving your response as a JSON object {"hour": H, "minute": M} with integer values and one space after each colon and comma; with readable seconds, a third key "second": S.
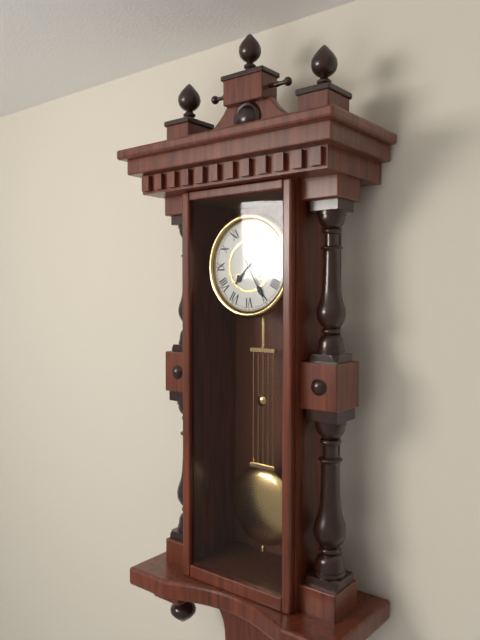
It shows {"hour": 7, "minute": 25}
